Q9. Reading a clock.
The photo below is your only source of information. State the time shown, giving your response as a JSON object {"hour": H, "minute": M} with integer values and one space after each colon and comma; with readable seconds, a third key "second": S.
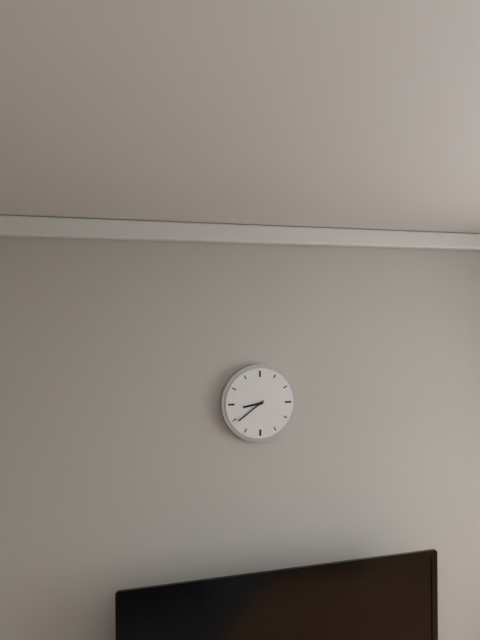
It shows {"hour": 8, "minute": 39}
